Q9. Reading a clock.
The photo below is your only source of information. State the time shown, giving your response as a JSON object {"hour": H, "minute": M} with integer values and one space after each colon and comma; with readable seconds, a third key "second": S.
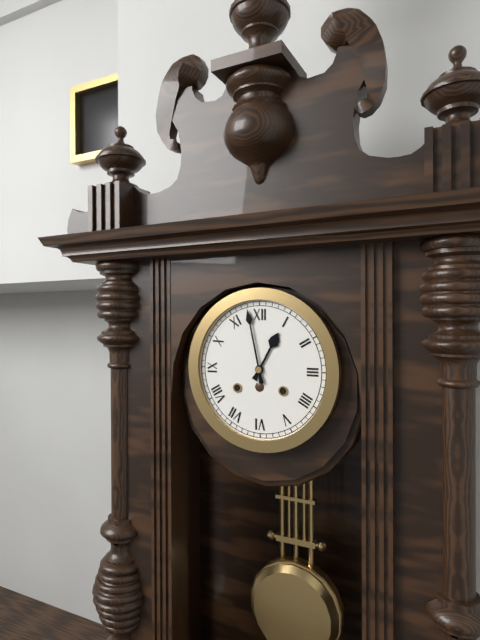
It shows {"hour": 12, "minute": 58}
